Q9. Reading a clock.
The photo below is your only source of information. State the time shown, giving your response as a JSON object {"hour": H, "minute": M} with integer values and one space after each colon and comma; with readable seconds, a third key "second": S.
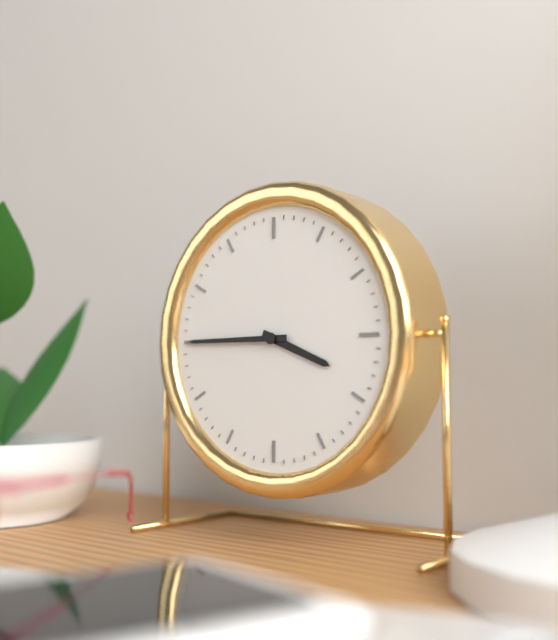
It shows {"hour": 3, "minute": 45}
